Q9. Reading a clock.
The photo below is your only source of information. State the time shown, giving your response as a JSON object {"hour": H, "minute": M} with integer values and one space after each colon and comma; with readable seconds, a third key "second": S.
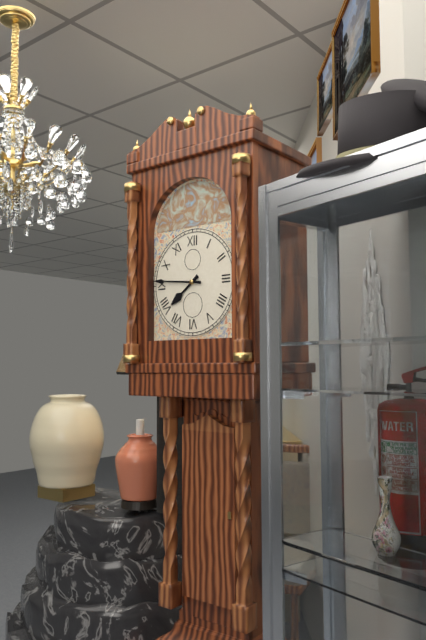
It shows {"hour": 7, "minute": 46}
